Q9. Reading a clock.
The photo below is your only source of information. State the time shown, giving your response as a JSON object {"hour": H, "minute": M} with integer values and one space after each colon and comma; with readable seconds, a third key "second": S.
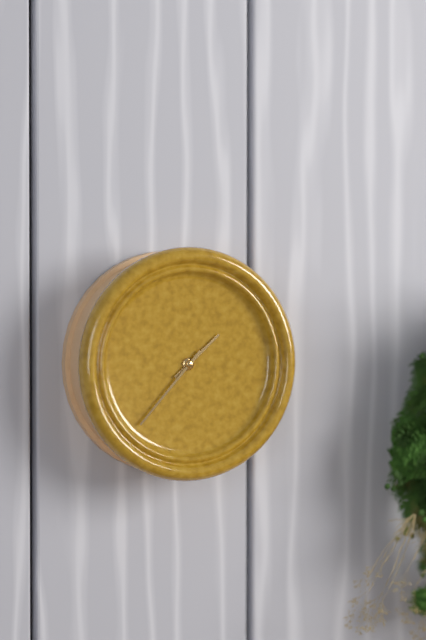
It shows {"hour": 1, "minute": 37}
